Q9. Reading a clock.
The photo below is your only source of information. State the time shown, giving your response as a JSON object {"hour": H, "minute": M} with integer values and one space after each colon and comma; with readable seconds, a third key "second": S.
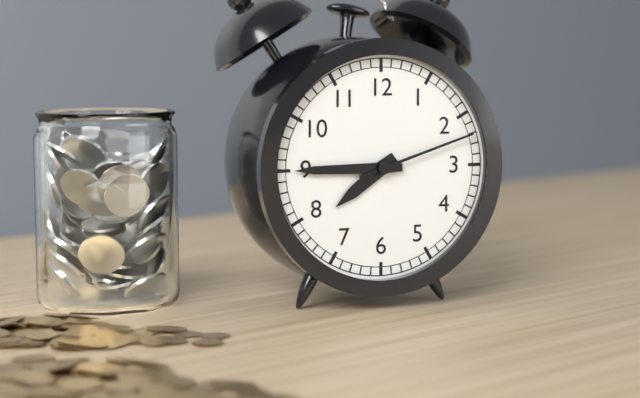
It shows {"hour": 7, "minute": 45, "second": 12}
